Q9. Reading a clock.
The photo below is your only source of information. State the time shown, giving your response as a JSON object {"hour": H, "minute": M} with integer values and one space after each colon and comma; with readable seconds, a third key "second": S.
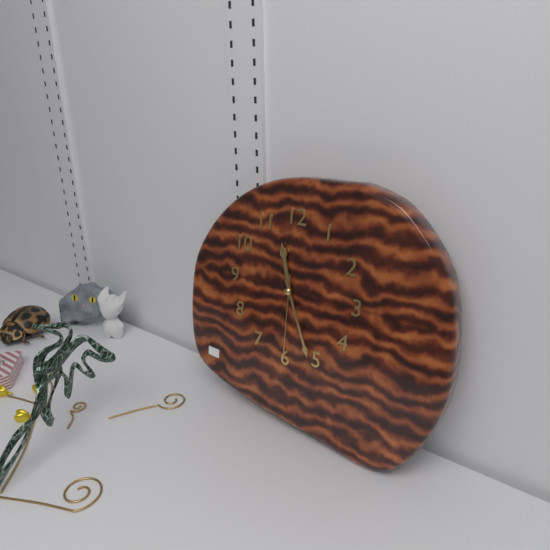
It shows {"hour": 11, "minute": 26, "second": 30}
